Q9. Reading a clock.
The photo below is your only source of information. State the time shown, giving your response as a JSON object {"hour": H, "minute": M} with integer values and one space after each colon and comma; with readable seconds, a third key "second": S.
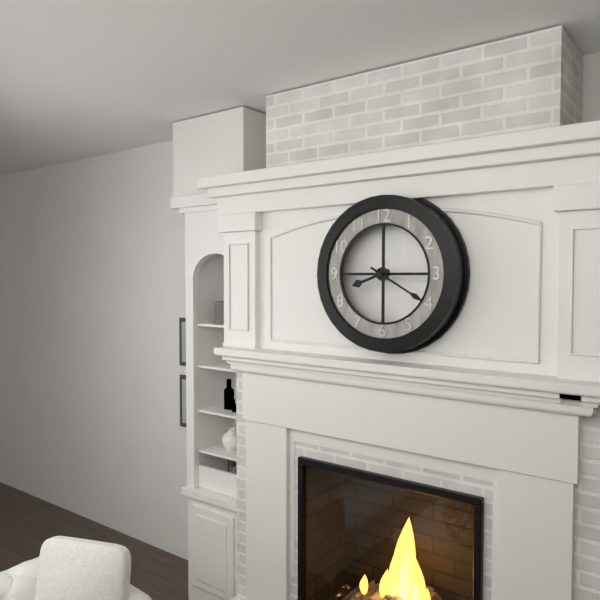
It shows {"hour": 8, "minute": 20}
